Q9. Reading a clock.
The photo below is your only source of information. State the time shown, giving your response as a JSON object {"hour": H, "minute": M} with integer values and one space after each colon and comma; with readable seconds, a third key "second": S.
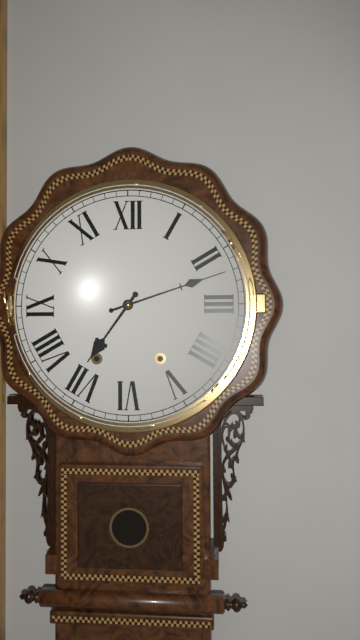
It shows {"hour": 7, "minute": 12}
